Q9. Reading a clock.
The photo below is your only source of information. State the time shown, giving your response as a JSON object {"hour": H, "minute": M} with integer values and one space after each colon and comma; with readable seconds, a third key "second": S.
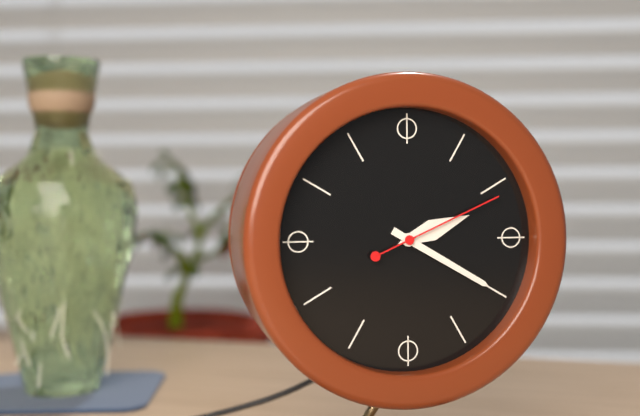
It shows {"hour": 2, "minute": 20, "second": 11}
